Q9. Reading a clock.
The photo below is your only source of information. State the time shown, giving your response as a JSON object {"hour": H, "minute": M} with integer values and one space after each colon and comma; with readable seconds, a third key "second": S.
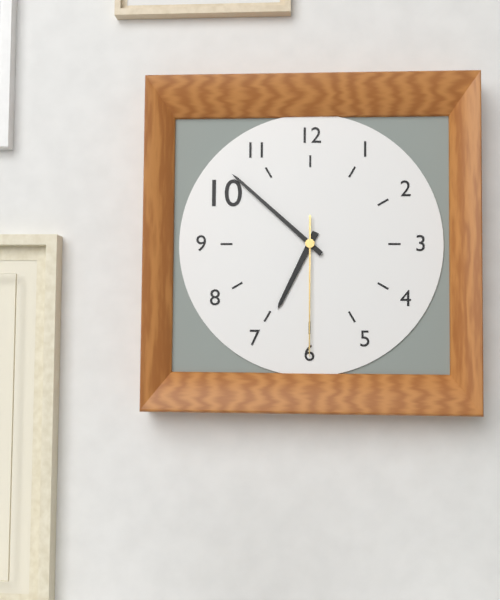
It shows {"hour": 6, "minute": 52, "second": 30}
